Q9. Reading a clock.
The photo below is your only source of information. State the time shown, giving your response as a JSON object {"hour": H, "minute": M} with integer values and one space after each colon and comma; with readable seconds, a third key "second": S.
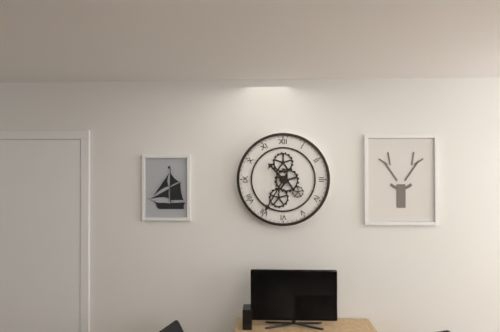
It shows {"hour": 10, "minute": 35}
